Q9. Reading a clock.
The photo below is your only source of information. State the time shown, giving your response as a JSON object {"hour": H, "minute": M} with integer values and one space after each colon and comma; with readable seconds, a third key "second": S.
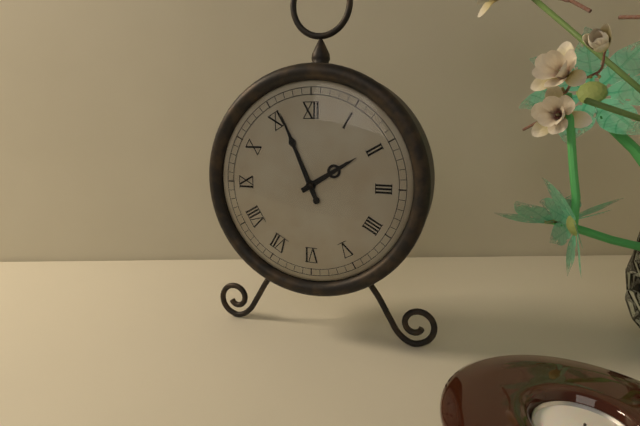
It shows {"hour": 1, "minute": 56}
